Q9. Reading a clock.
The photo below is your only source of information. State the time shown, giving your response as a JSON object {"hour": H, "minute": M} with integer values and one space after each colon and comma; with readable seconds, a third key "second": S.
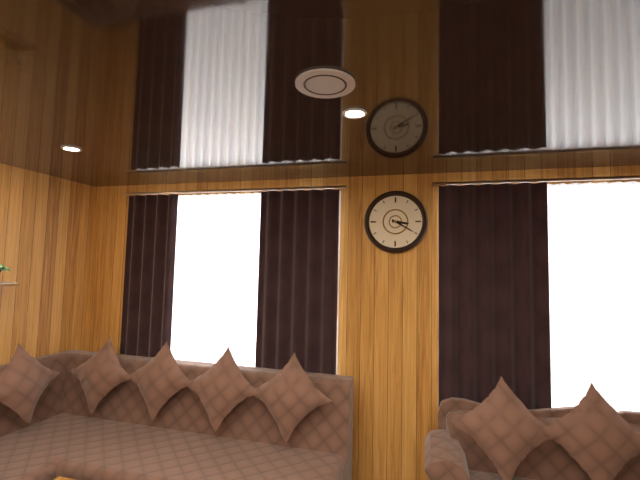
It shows {"hour": 3, "minute": 20}
